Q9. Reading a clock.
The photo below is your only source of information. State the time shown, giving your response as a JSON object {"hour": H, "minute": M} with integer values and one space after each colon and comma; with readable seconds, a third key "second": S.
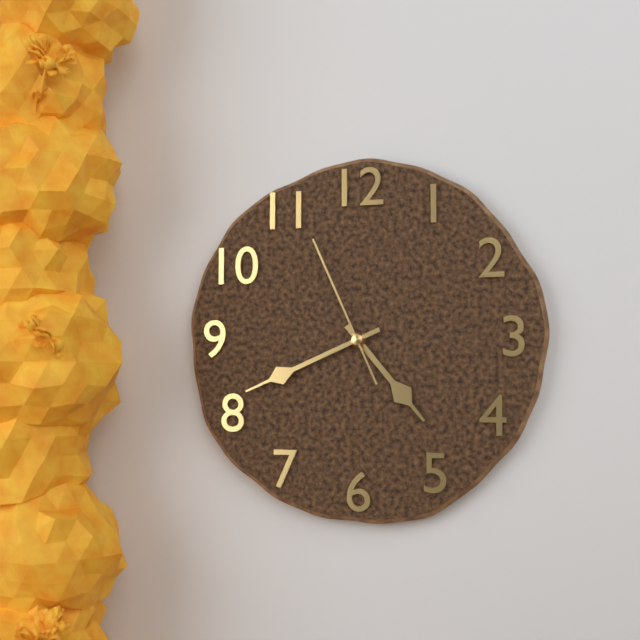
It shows {"hour": 4, "minute": 41, "second": 56}
